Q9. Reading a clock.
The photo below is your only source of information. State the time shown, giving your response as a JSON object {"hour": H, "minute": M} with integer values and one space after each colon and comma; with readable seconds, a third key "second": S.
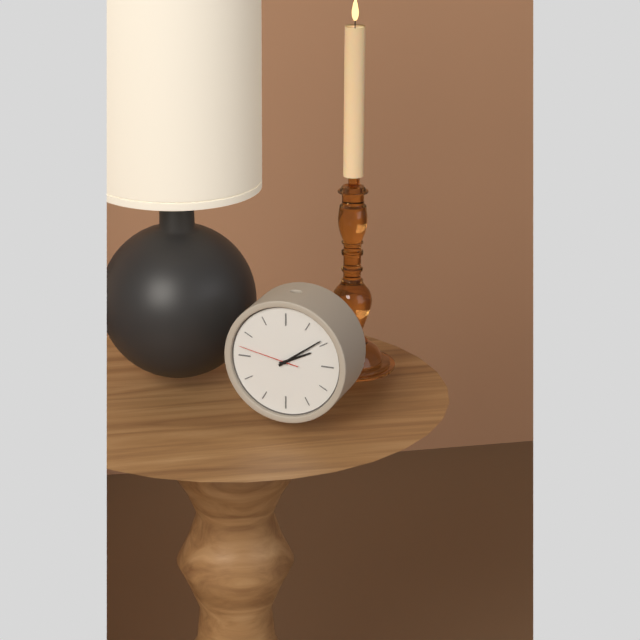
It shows {"hour": 2, "minute": 9, "second": 47}
